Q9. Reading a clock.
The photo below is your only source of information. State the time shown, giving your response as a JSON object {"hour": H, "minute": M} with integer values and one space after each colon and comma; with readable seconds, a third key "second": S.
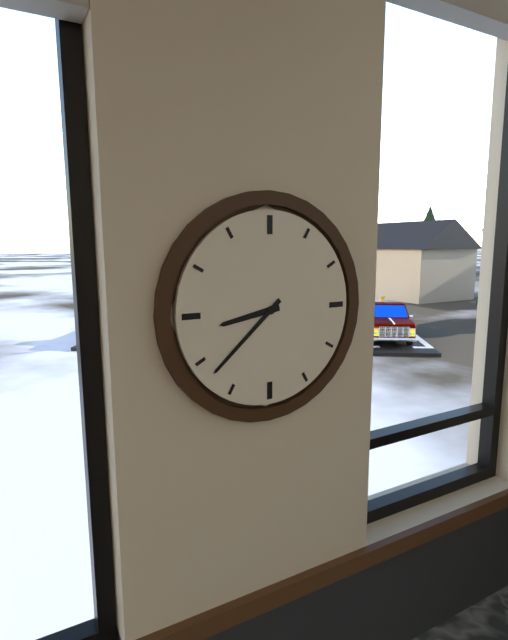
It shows {"hour": 8, "minute": 38}
